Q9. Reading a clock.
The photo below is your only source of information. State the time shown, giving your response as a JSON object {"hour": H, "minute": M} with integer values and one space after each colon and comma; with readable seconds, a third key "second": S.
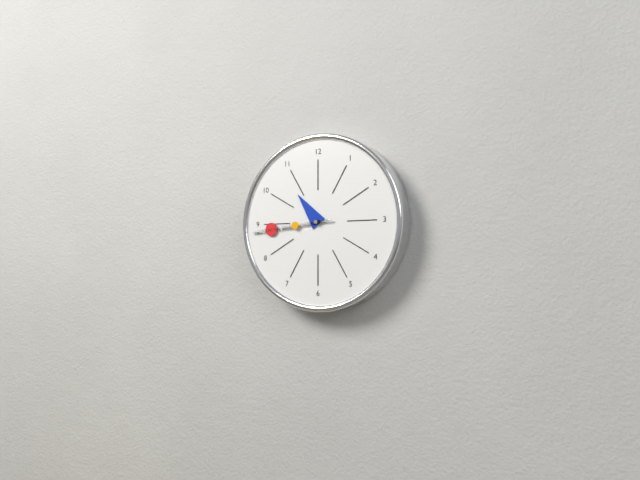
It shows {"hour": 10, "minute": 44, "second": 44}
